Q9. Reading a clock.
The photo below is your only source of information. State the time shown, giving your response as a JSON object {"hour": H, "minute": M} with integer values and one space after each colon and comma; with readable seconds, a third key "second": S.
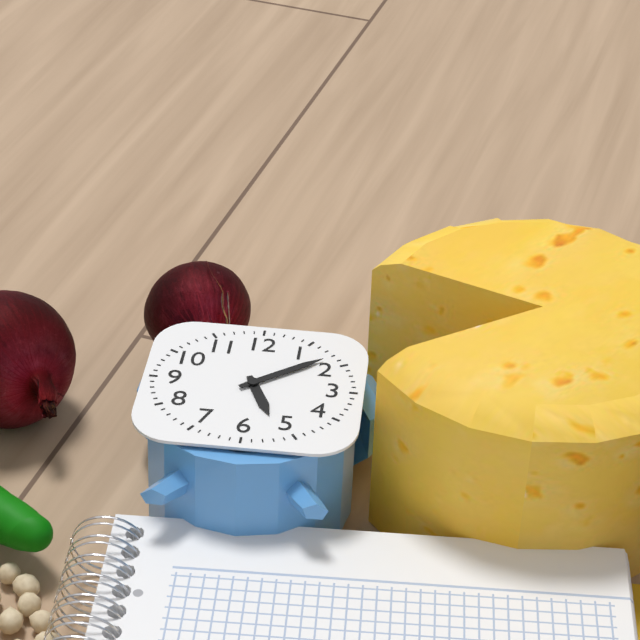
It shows {"hour": 5, "minute": 9}
